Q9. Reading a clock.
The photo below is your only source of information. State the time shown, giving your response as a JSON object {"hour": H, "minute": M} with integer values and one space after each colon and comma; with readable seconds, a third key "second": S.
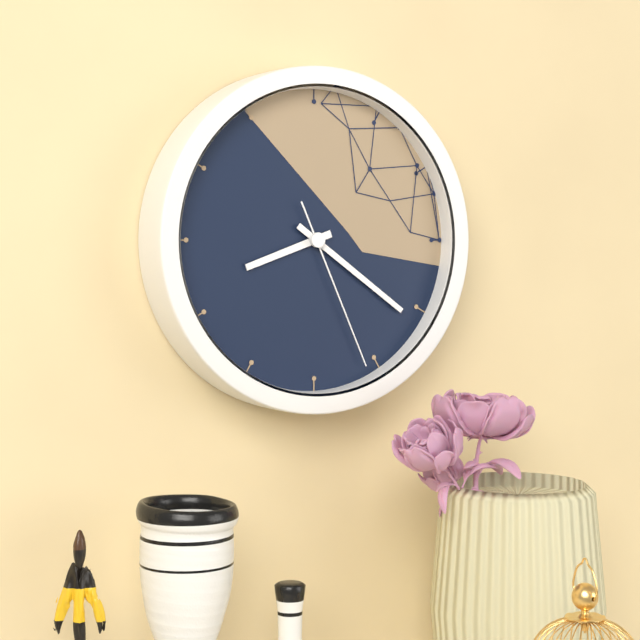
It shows {"hour": 8, "minute": 21, "second": 26}
